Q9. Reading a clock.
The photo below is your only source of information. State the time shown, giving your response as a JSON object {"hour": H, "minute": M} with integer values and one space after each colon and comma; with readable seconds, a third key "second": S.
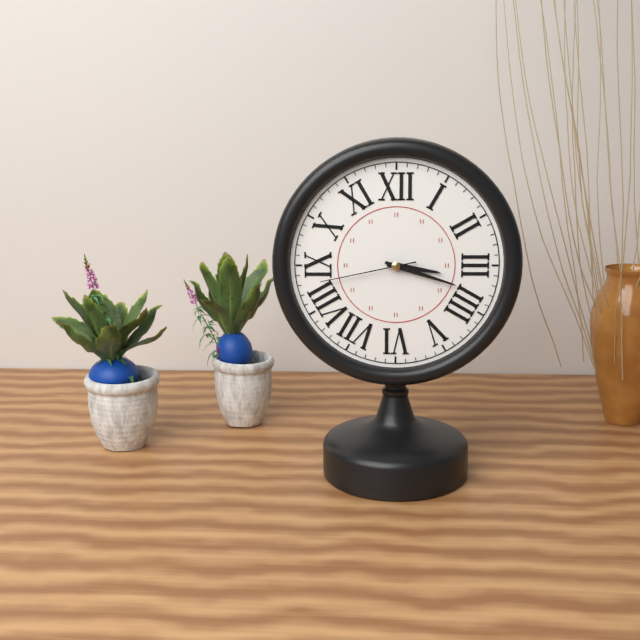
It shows {"hour": 3, "minute": 18, "second": 43}
